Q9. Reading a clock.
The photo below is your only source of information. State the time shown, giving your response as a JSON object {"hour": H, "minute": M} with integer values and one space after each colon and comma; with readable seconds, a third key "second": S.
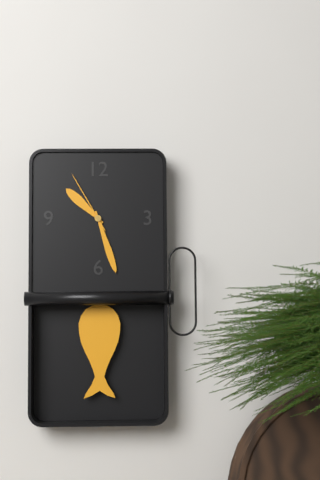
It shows {"hour": 10, "minute": 27, "second": 55}
